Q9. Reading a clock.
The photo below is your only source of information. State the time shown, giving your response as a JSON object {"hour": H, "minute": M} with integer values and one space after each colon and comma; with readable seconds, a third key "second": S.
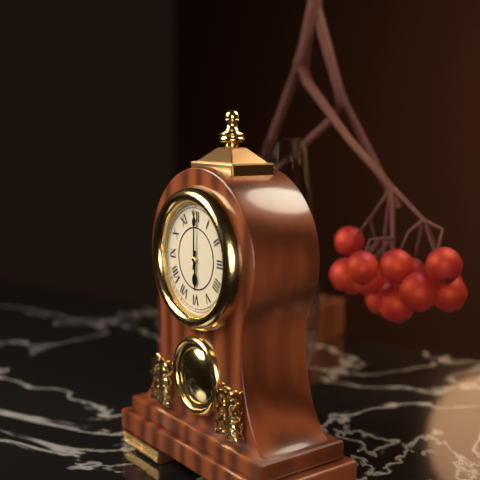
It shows {"hour": 6, "minute": 0}
